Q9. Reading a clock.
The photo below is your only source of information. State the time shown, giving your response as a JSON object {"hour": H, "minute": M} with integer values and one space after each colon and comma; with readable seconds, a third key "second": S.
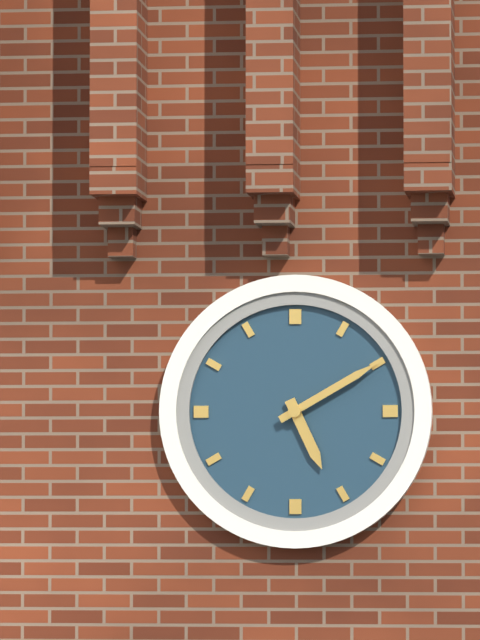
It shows {"hour": 5, "minute": 10}
